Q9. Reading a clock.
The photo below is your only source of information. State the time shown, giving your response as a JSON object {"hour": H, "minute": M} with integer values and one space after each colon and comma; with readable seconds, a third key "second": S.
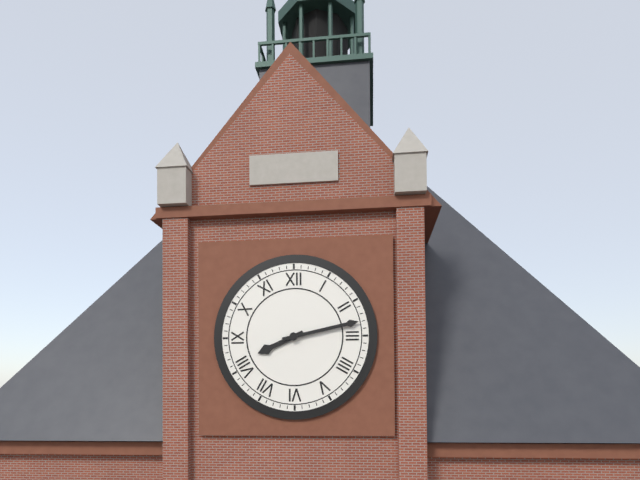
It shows {"hour": 8, "minute": 13}
